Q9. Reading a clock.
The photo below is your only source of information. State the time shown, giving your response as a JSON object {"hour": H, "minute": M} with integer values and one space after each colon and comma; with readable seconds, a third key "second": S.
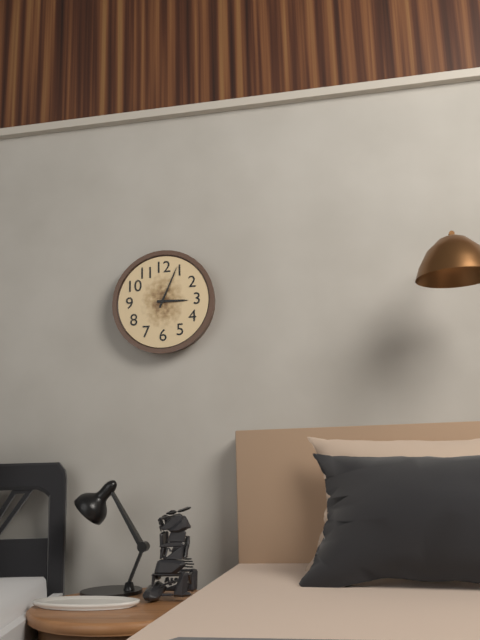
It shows {"hour": 3, "minute": 4}
